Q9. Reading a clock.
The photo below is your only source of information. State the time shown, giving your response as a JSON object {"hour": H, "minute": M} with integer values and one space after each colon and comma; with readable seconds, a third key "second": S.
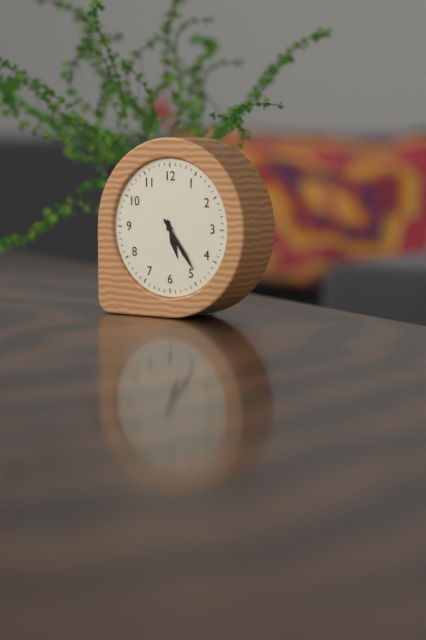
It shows {"hour": 5, "minute": 24}
